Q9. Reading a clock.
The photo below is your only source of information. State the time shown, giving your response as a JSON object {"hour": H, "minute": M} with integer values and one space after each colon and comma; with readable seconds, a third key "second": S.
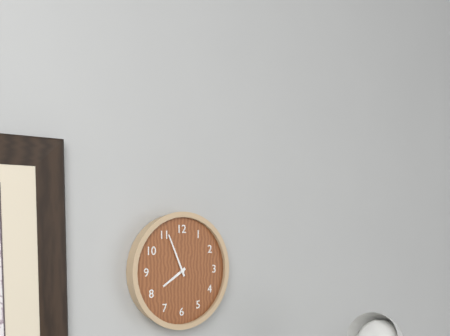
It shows {"hour": 7, "minute": 56}
